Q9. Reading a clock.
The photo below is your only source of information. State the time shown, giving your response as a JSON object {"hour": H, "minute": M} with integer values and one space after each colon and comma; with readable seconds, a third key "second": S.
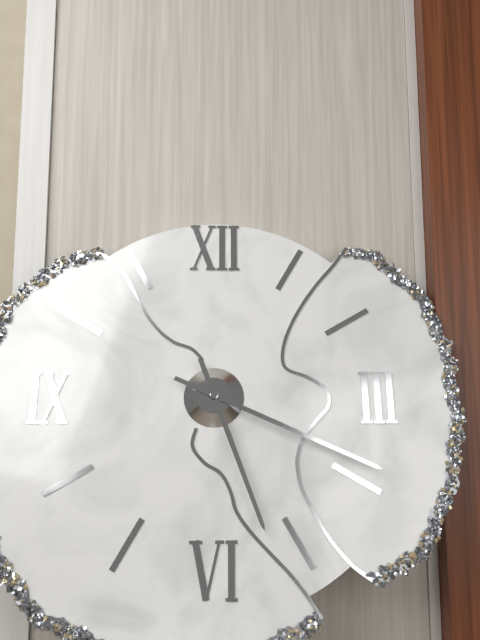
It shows {"hour": 5, "minute": 19}
